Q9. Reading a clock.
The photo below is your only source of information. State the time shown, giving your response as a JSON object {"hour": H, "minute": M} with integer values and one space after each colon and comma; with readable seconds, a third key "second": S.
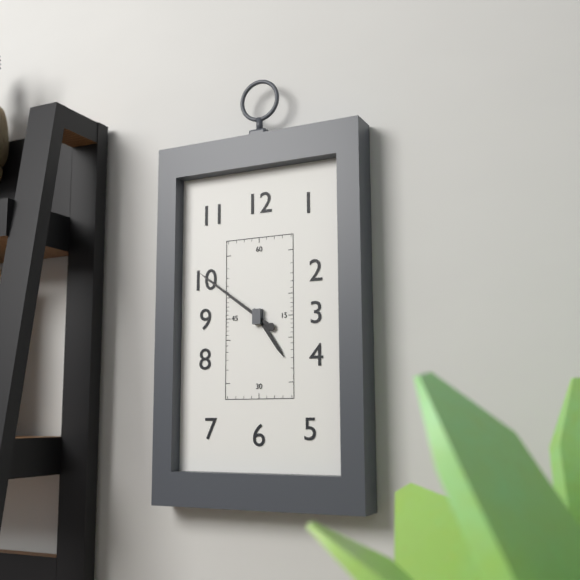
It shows {"hour": 4, "minute": 51}
